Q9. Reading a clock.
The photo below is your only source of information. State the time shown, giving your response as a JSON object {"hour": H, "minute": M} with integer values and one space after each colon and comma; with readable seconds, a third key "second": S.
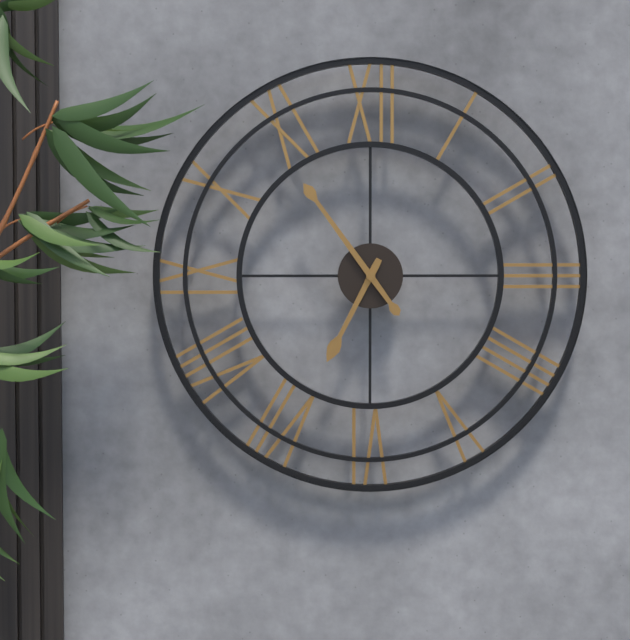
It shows {"hour": 6, "minute": 54}
